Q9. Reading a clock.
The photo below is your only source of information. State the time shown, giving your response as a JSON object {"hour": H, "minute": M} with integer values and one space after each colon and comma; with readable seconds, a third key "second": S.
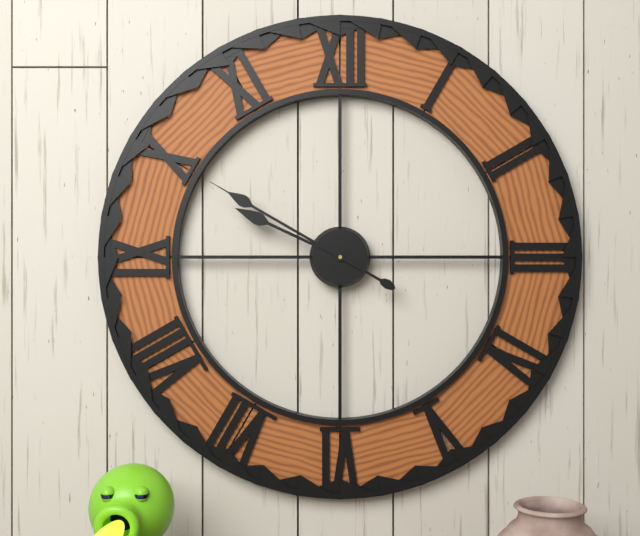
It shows {"hour": 9, "minute": 50}
